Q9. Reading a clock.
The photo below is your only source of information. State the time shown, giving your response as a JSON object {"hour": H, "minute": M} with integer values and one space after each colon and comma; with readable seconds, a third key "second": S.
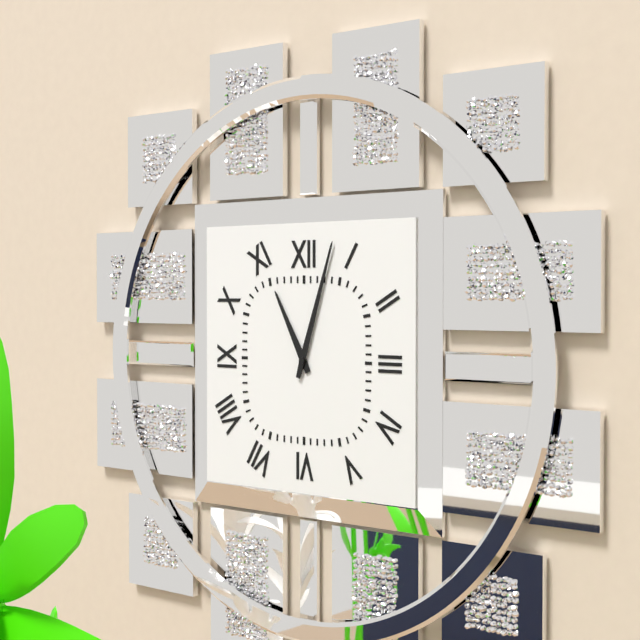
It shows {"hour": 11, "minute": 3}
